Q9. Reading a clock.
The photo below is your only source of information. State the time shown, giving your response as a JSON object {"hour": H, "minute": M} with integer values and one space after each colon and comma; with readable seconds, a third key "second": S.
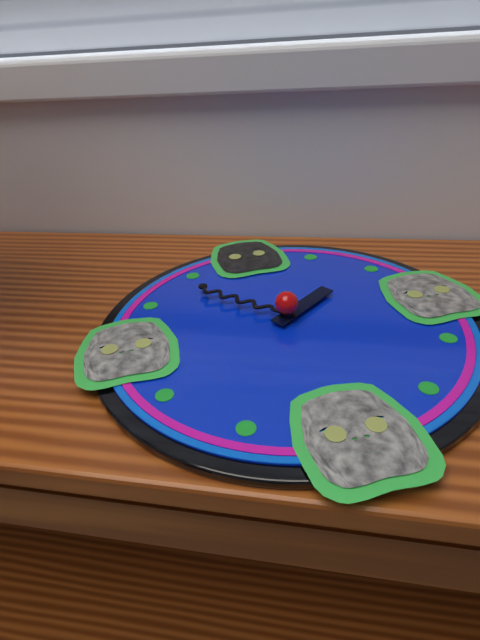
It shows {"hour": 1, "minute": 53}
